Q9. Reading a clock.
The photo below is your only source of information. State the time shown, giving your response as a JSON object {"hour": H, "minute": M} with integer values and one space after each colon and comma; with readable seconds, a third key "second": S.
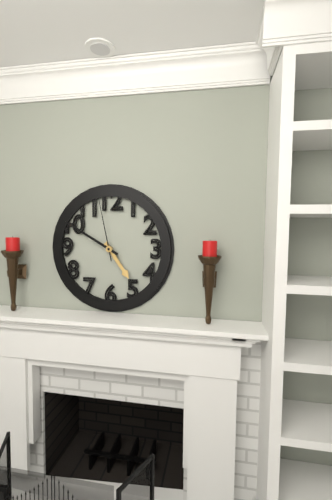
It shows {"hour": 4, "minute": 50, "second": 58}
